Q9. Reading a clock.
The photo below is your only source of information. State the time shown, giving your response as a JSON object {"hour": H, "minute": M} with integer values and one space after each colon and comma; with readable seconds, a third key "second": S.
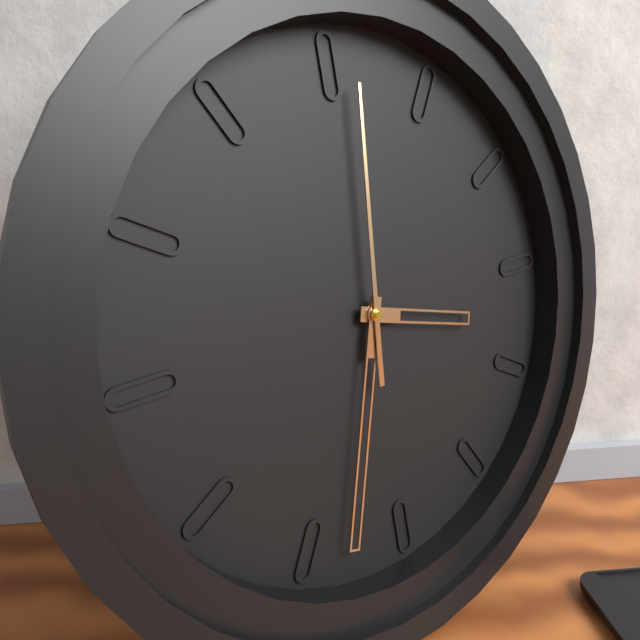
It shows {"hour": 3, "minute": 33, "second": 1}
